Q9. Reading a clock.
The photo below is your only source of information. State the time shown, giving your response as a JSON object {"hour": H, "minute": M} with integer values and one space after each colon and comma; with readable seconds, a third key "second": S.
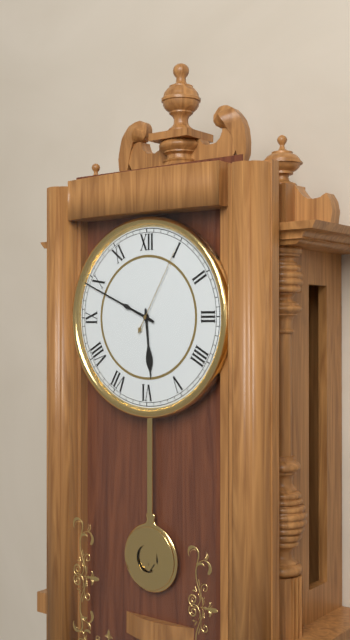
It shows {"hour": 5, "minute": 49, "second": 5}
